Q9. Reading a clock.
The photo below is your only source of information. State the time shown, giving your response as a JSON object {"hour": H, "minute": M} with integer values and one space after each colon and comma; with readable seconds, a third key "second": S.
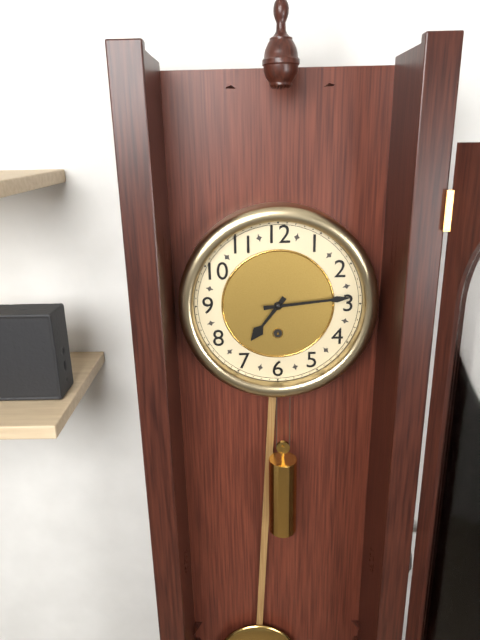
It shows {"hour": 7, "minute": 14}
